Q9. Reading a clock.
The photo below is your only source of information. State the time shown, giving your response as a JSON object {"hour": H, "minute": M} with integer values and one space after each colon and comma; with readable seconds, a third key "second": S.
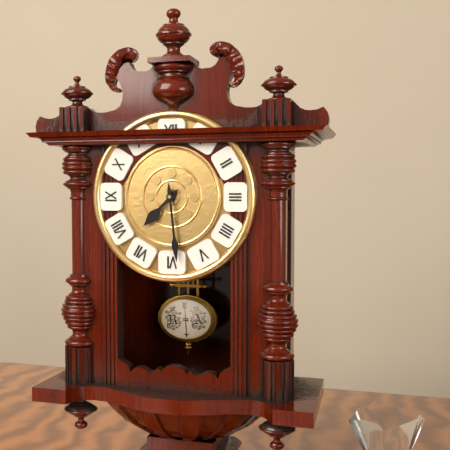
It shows {"hour": 7, "minute": 29}
